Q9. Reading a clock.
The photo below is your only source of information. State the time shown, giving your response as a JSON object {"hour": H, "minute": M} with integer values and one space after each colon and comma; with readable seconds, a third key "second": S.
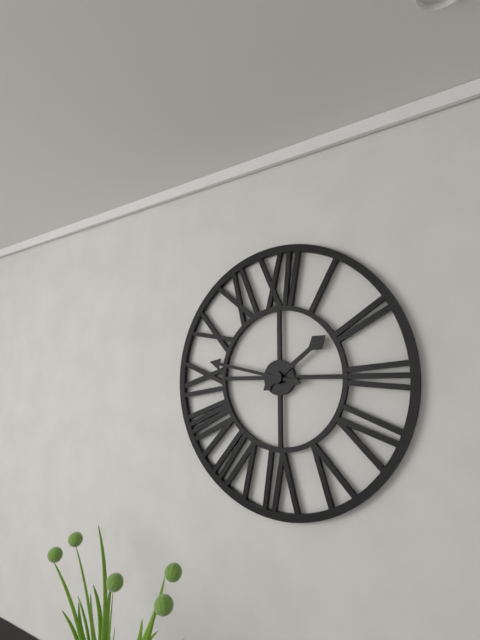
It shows {"hour": 1, "minute": 47}
